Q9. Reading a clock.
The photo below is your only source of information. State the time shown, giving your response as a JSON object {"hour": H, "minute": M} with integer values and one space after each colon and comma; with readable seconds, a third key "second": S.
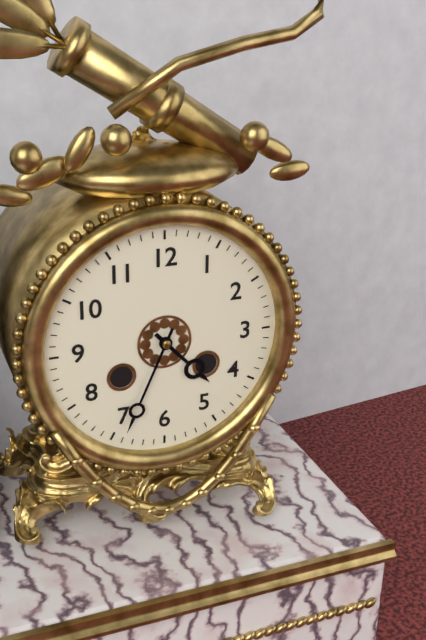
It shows {"hour": 4, "minute": 34}
